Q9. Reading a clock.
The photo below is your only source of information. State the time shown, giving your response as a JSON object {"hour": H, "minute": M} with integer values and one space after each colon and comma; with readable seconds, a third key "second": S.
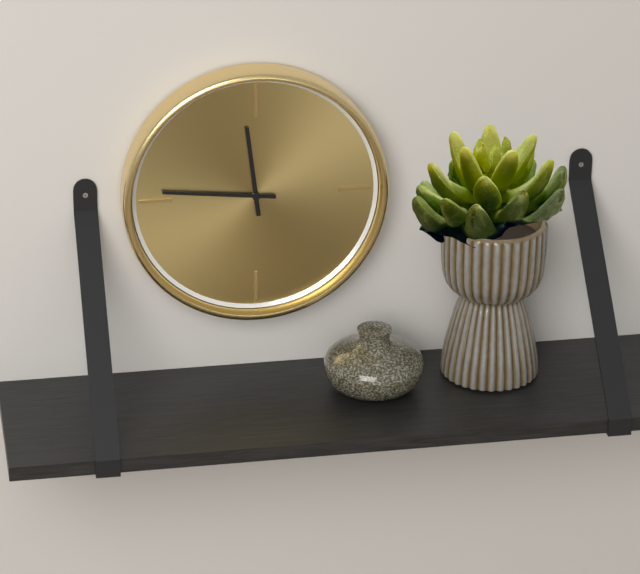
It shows {"hour": 11, "minute": 46}
